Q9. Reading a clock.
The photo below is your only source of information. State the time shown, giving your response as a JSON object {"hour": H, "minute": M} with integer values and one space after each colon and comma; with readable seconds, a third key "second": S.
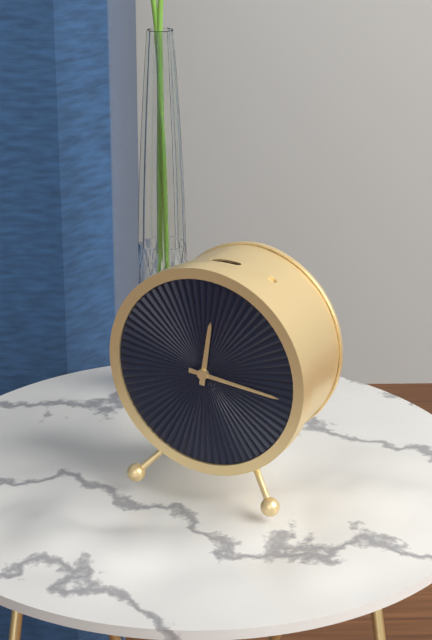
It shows {"hour": 12, "minute": 16}
